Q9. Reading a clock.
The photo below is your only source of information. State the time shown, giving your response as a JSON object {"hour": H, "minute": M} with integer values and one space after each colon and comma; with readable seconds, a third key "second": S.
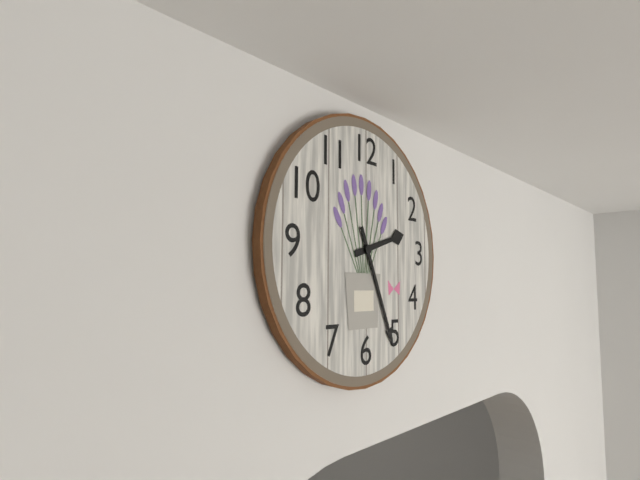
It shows {"hour": 2, "minute": 26}
